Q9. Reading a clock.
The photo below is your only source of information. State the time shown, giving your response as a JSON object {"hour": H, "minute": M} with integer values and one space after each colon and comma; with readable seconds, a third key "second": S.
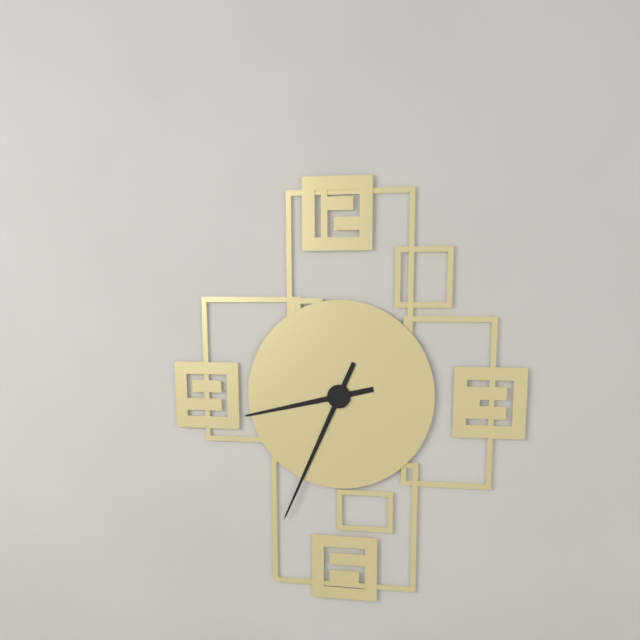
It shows {"hour": 8, "minute": 34}
